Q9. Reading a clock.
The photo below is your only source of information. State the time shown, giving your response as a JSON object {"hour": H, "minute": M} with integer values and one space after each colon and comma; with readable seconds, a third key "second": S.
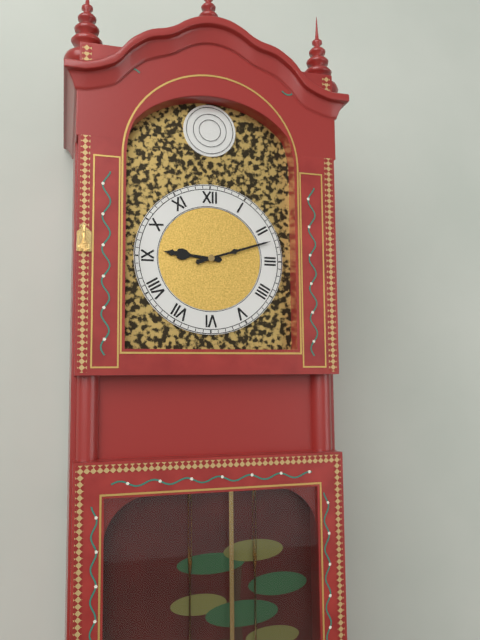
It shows {"hour": 9, "minute": 12}
